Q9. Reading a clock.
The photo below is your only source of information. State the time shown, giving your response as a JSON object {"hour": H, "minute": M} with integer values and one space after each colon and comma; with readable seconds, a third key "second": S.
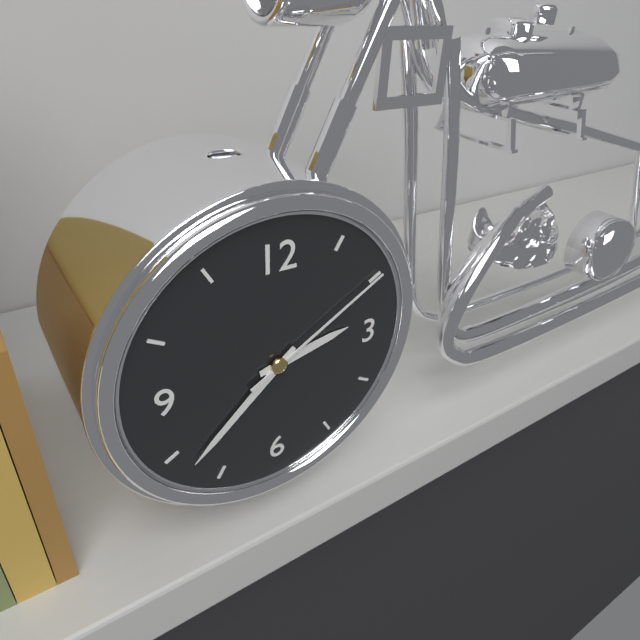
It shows {"hour": 2, "minute": 38, "second": 10}
